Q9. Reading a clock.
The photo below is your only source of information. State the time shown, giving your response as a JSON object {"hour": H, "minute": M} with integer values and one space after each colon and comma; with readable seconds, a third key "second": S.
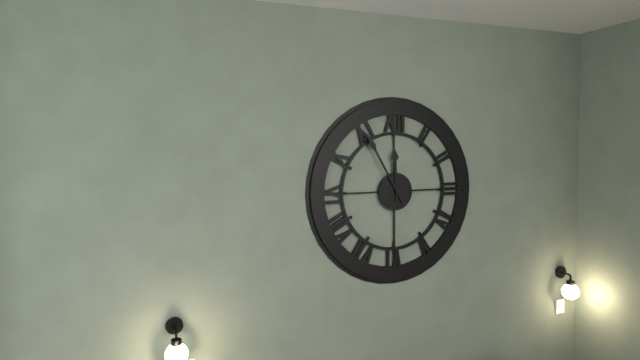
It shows {"hour": 11, "minute": 55}
